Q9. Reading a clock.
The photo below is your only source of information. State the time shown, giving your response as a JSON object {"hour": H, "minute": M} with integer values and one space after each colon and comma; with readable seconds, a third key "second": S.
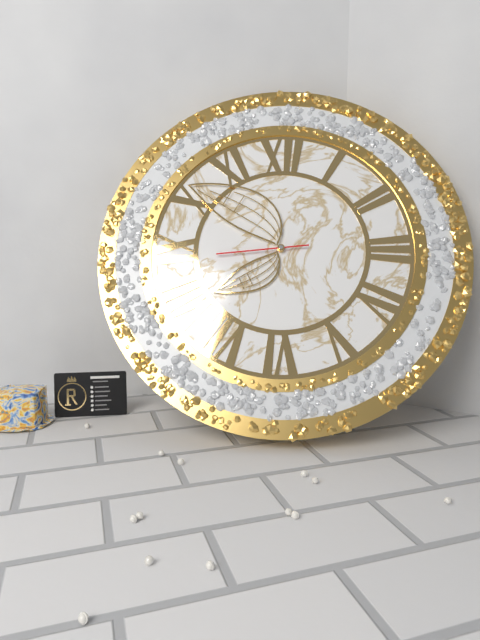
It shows {"hour": 7, "minute": 51, "second": 44}
